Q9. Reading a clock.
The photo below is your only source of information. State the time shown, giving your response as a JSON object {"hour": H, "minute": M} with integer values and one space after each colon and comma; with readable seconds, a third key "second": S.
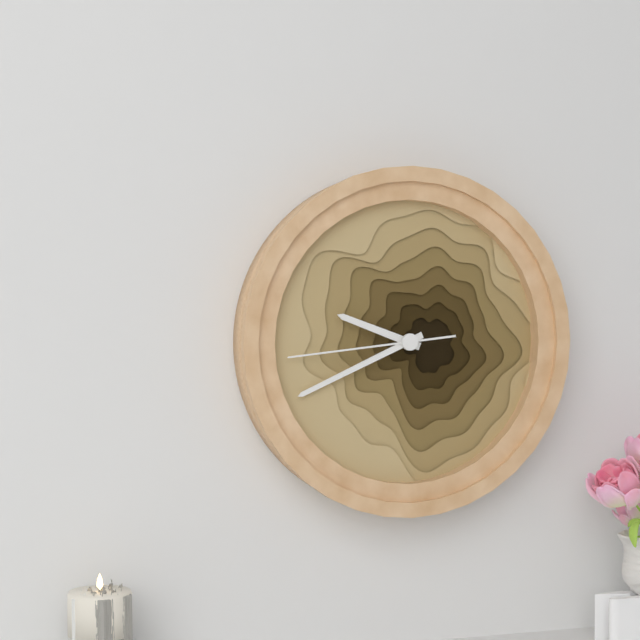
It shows {"hour": 9, "minute": 41, "second": 44}
